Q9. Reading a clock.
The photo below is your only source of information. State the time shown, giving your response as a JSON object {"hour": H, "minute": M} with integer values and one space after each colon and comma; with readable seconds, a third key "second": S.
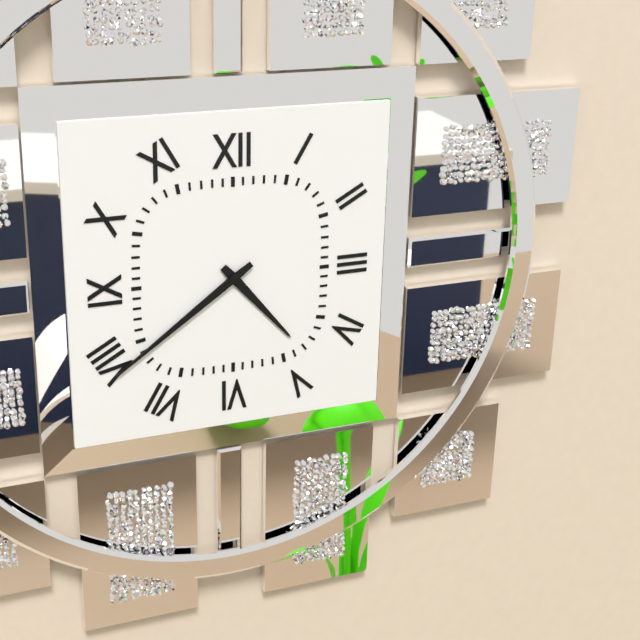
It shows {"hour": 4, "minute": 39}
